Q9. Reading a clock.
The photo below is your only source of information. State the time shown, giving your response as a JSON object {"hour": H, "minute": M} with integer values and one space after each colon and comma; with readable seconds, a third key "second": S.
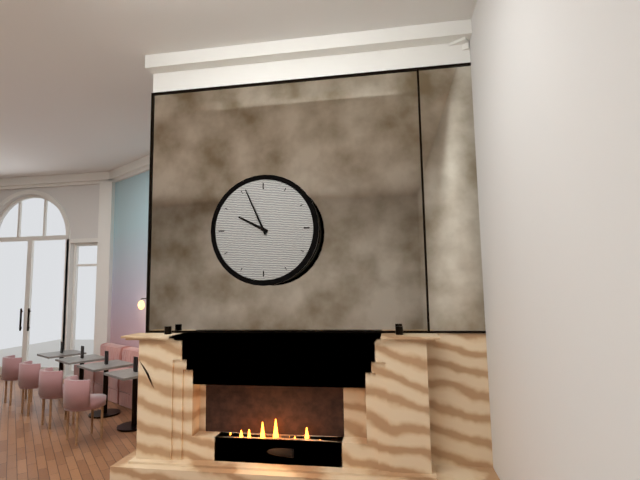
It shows {"hour": 9, "minute": 56}
